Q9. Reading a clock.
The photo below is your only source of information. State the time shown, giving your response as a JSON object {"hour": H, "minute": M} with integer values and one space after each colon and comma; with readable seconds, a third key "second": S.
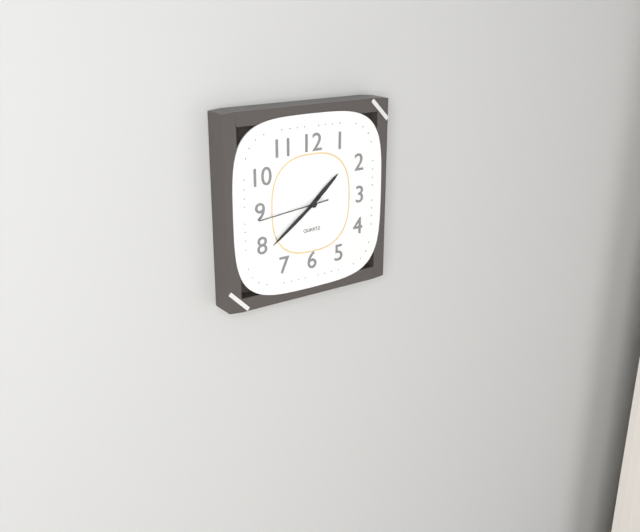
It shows {"hour": 1, "minute": 39, "second": 44}
